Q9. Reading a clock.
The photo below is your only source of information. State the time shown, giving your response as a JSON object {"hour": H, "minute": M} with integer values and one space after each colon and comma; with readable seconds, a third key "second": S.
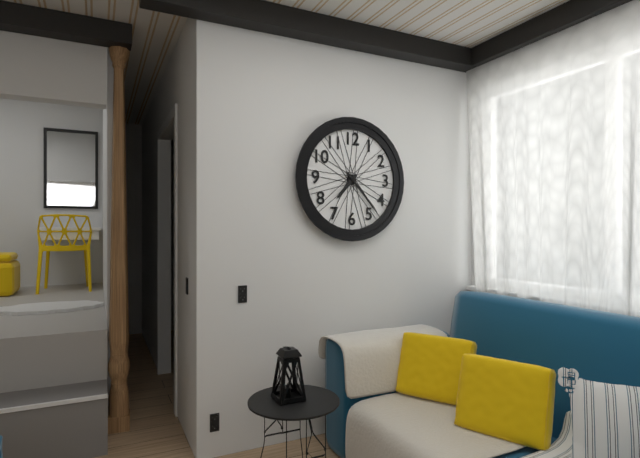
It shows {"hour": 7, "minute": 23}
